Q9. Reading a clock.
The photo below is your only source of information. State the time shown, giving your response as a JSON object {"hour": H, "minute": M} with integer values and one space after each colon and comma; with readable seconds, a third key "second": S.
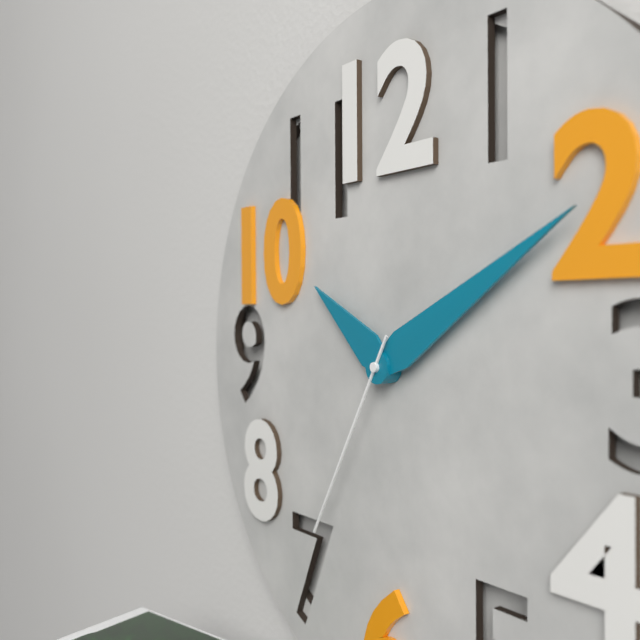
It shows {"hour": 10, "minute": 10, "second": 35}
